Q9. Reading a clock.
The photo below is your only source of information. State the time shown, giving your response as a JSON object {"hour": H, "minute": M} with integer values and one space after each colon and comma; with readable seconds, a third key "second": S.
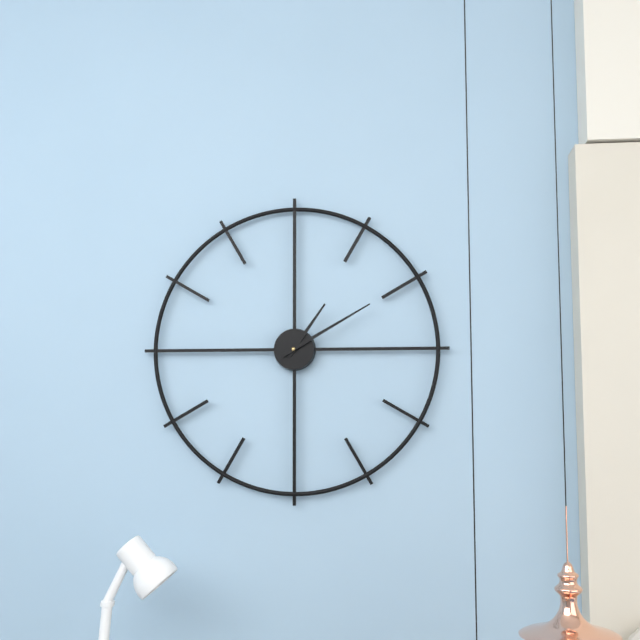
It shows {"hour": 1, "minute": 10}
